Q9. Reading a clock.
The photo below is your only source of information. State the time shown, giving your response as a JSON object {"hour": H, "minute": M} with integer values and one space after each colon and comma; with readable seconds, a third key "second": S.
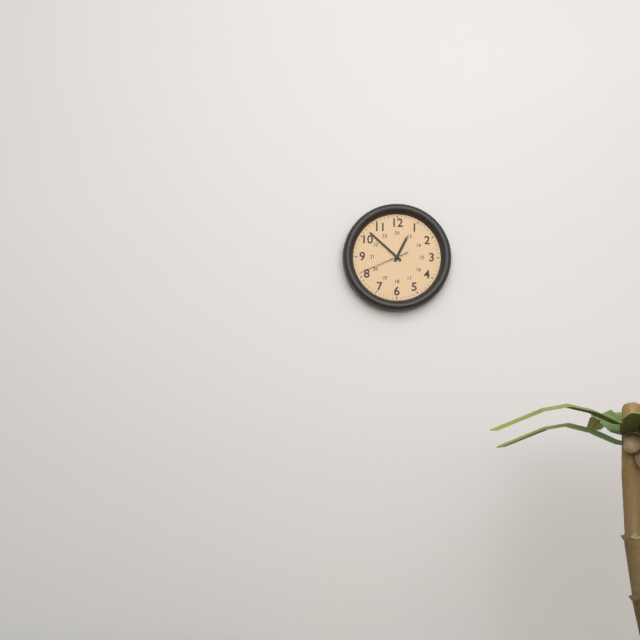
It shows {"hour": 12, "minute": 52}
